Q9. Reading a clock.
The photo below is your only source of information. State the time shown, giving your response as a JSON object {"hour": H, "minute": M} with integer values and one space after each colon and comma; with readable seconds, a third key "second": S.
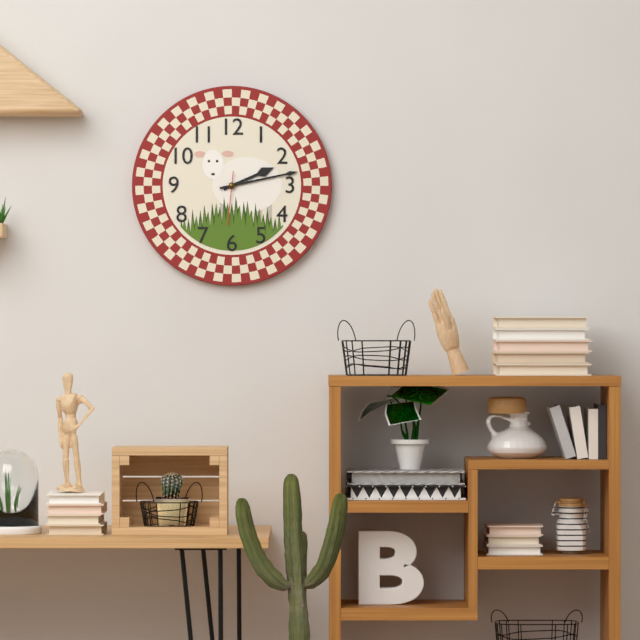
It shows {"hour": 2, "minute": 13}
